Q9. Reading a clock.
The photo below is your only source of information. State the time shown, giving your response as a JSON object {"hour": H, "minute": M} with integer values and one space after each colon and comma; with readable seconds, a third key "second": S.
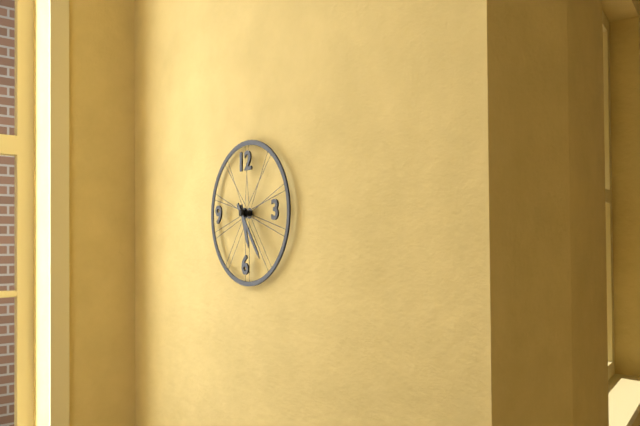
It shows {"hour": 5, "minute": 24}
